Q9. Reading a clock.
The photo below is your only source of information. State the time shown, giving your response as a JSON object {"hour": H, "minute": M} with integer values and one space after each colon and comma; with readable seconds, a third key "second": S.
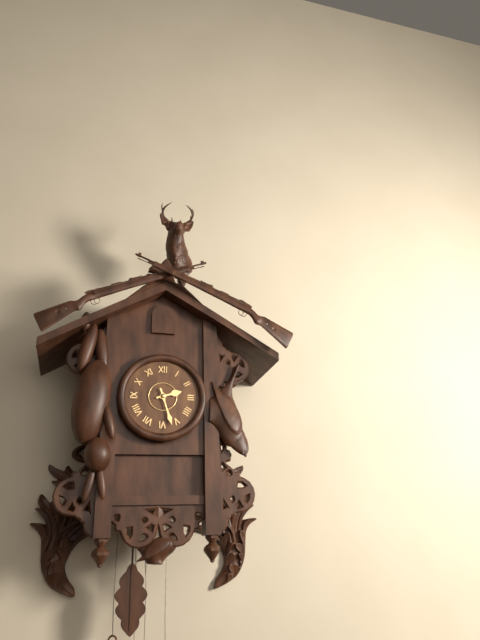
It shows {"hour": 2, "minute": 27}
